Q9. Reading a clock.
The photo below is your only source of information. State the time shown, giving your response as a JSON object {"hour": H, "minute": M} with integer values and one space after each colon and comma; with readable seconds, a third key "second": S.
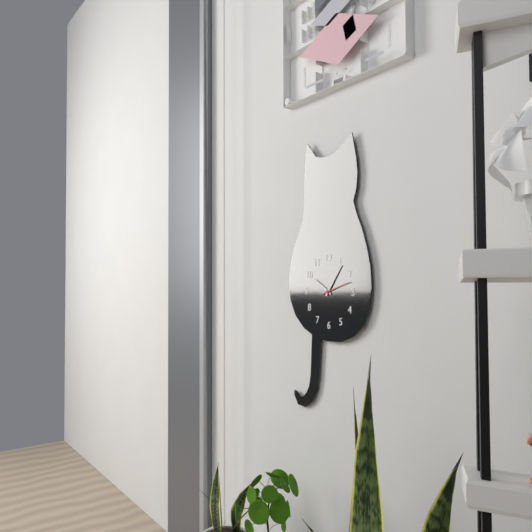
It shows {"hour": 10, "minute": 6}
